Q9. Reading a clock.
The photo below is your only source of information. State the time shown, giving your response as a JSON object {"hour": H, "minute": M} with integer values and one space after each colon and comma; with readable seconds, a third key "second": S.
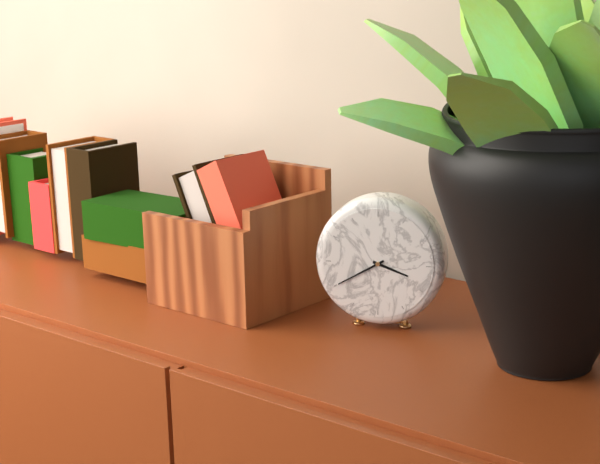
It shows {"hour": 3, "minute": 40}
